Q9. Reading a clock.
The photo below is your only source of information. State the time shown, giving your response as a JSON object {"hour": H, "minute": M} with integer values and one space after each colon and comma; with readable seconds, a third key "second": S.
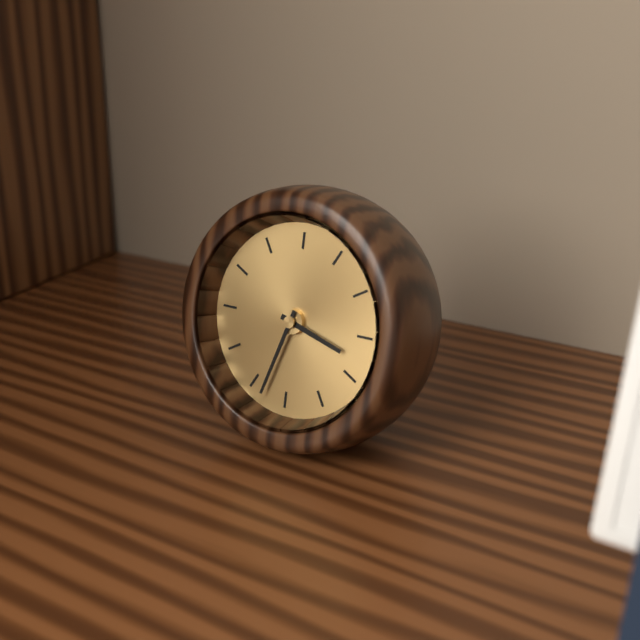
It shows {"hour": 3, "minute": 33}
